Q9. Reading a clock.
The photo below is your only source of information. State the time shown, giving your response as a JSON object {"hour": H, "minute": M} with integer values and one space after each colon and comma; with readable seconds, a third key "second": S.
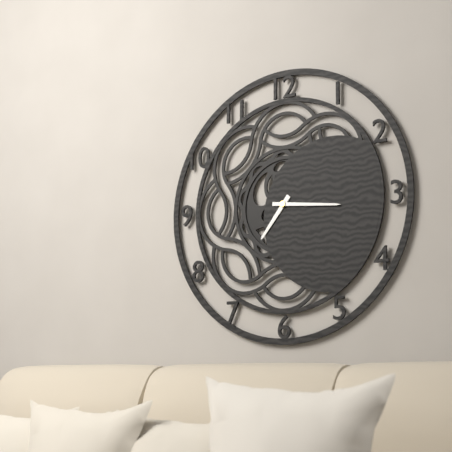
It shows {"hour": 7, "minute": 16}
